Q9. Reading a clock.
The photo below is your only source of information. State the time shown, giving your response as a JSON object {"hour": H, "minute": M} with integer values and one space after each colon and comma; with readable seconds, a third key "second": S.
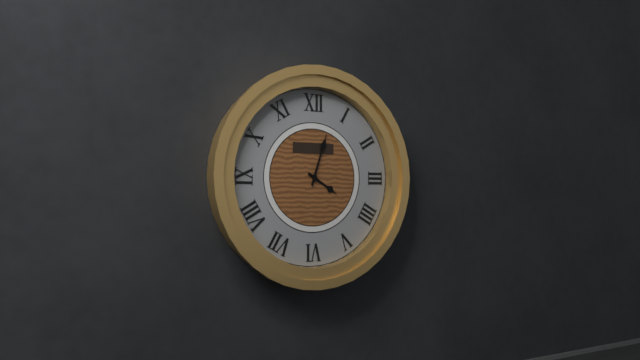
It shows {"hour": 4, "minute": 3}
